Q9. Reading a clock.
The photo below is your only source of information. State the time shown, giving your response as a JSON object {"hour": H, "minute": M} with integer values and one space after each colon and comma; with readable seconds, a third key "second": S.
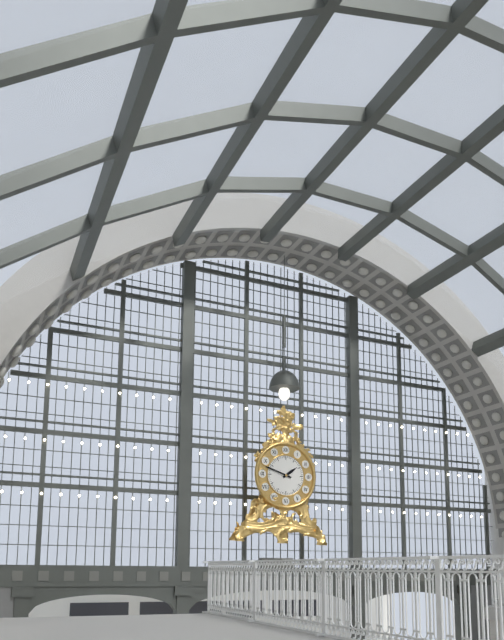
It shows {"hour": 1, "minute": 48}
